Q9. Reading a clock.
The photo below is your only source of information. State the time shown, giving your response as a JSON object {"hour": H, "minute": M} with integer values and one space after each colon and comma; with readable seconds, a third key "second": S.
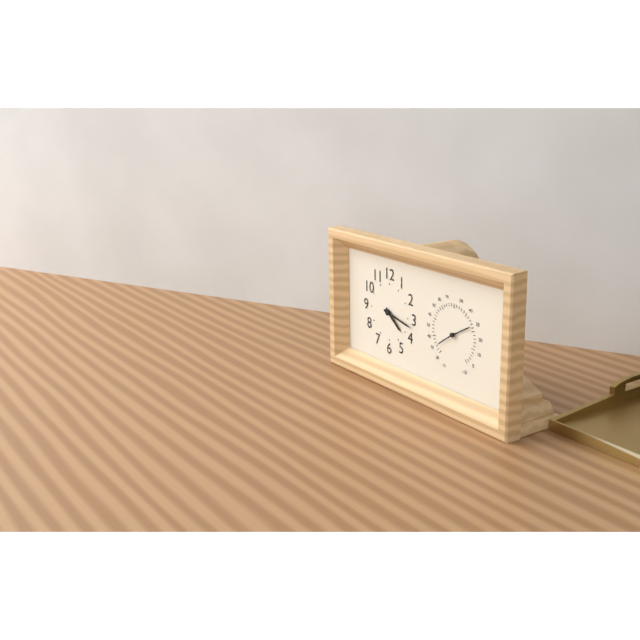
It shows {"hour": 4, "minute": 17}
